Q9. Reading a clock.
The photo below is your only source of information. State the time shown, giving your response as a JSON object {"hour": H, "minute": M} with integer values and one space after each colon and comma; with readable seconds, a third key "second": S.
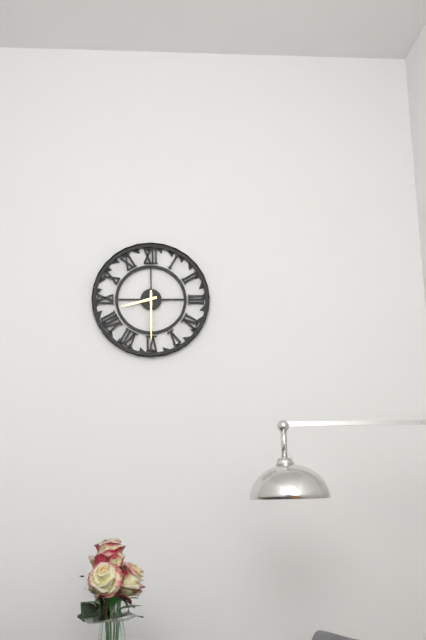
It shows {"hour": 8, "minute": 30}
